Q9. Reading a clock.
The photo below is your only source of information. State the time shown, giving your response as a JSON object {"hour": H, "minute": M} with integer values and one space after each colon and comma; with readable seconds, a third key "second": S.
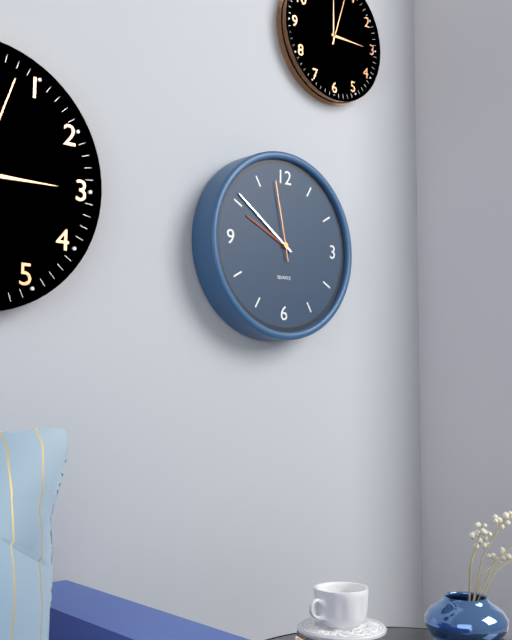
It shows {"hour": 9, "minute": 51, "second": 58}
